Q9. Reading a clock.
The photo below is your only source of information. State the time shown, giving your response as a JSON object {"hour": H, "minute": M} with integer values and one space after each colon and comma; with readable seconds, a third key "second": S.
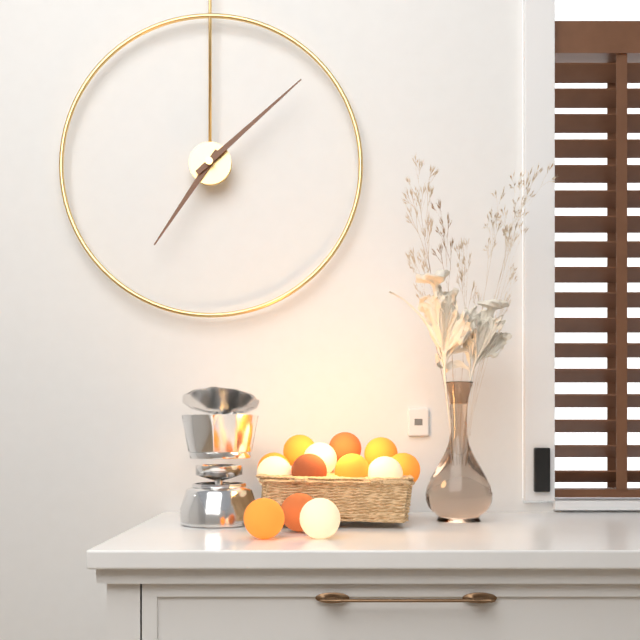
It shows {"hour": 7, "minute": 8}
